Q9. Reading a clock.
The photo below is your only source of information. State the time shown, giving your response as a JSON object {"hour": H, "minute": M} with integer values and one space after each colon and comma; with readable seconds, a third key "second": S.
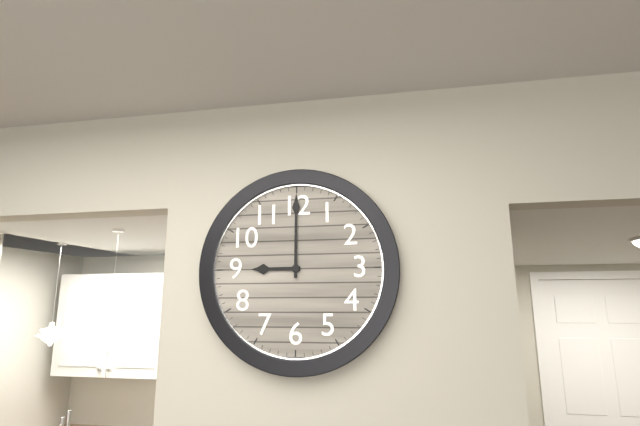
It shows {"hour": 9, "minute": 0}
